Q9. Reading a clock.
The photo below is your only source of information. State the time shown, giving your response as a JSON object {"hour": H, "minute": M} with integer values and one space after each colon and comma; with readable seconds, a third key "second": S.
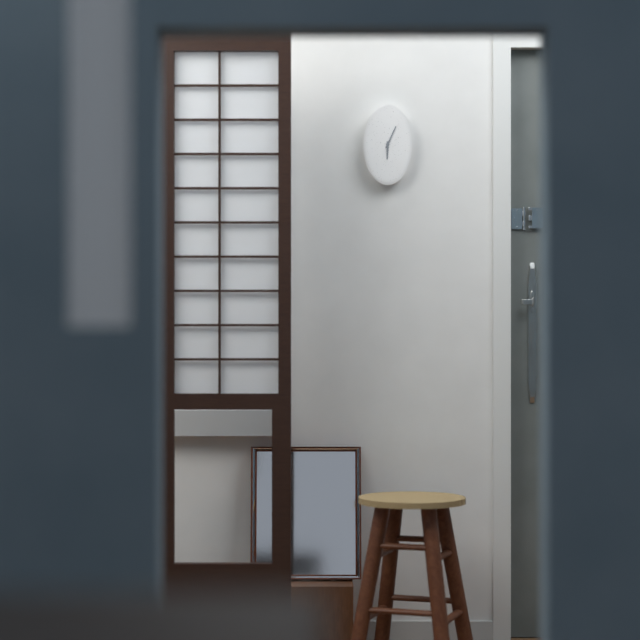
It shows {"hour": 6, "minute": 4}
